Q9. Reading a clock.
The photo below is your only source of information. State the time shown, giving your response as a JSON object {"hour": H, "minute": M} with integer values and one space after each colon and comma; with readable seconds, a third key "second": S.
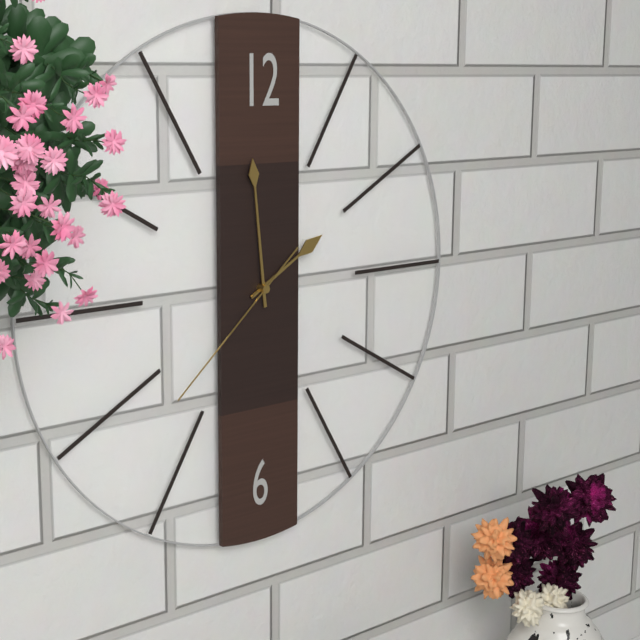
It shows {"hour": 1, "minute": 59, "second": 38}
